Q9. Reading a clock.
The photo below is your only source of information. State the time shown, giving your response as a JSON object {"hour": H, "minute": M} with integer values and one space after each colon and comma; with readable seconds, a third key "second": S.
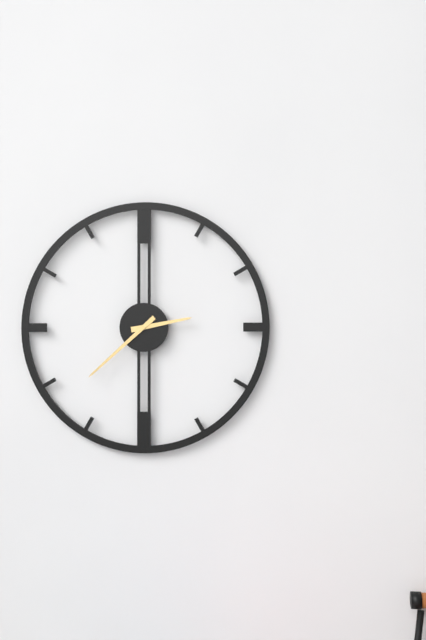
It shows {"hour": 2, "minute": 38}
